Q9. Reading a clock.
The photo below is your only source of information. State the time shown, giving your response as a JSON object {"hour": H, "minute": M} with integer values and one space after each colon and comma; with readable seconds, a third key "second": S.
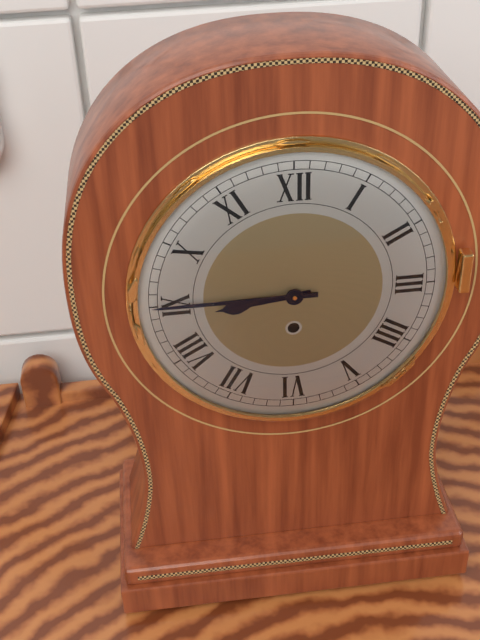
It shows {"hour": 8, "minute": 45}
